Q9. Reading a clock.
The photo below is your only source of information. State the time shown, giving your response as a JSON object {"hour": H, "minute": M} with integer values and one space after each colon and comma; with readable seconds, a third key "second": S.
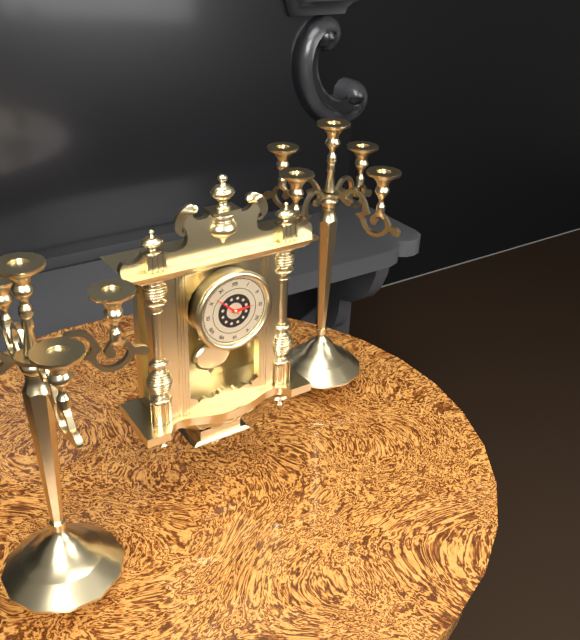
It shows {"hour": 2, "minute": 52}
